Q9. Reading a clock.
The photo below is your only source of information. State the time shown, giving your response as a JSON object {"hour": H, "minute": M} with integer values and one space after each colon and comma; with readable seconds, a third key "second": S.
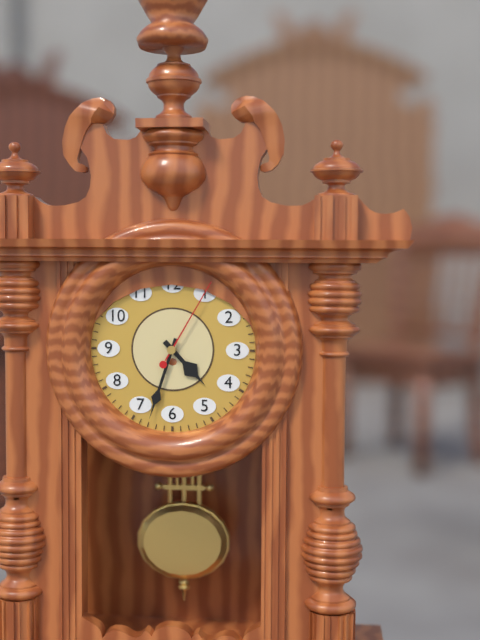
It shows {"hour": 4, "minute": 33, "second": 5}
